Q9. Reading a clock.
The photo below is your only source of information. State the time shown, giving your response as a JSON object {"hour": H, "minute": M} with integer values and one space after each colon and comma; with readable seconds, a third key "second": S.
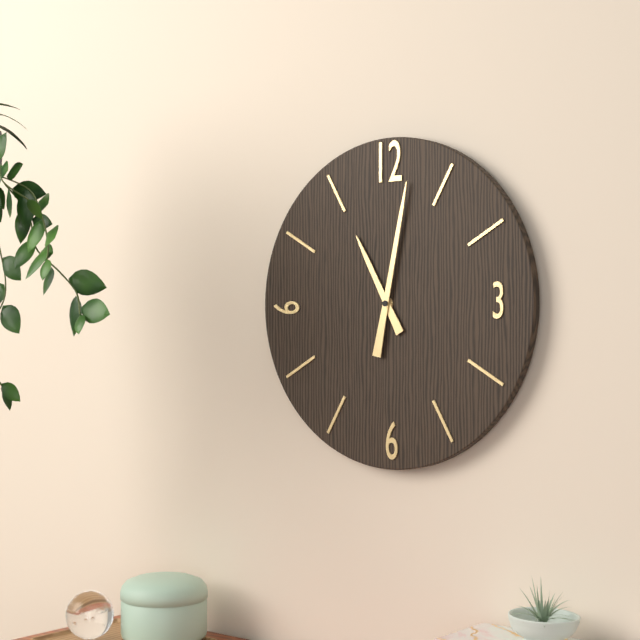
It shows {"hour": 11, "minute": 2}
